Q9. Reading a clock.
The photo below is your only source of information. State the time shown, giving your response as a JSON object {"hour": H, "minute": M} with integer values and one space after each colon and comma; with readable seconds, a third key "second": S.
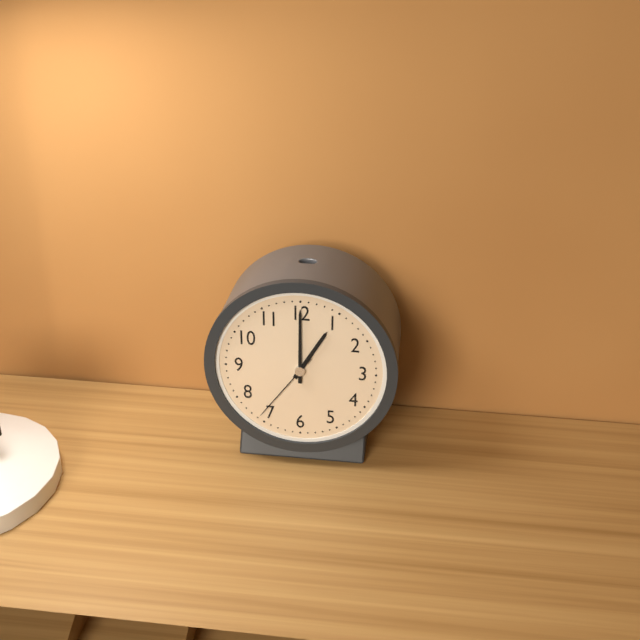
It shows {"hour": 1, "minute": 0, "second": 36}
